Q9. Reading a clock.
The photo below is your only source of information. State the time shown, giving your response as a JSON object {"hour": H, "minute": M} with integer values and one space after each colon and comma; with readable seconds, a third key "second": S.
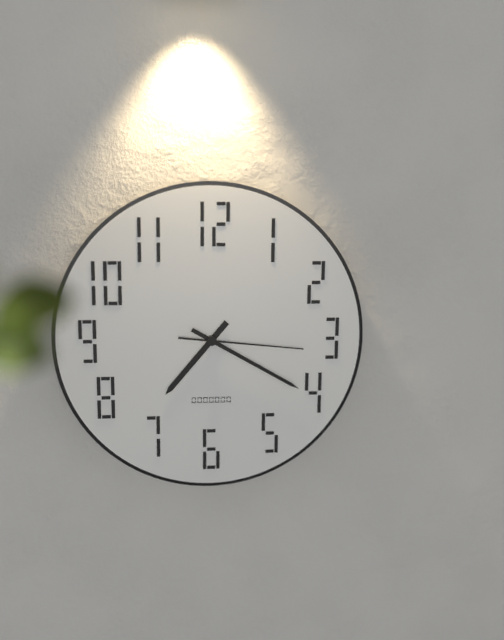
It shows {"hour": 7, "minute": 20, "second": 16}
